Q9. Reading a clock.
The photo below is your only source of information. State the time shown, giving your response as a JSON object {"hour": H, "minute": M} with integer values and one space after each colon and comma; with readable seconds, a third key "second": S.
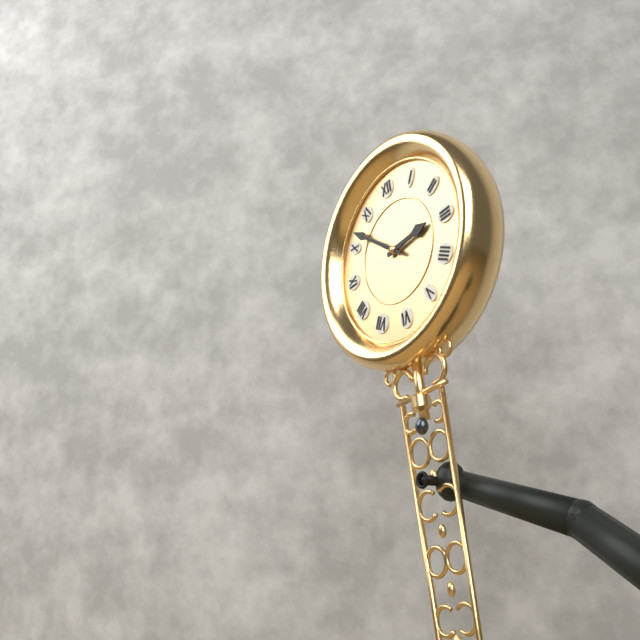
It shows {"hour": 2, "minute": 52}
